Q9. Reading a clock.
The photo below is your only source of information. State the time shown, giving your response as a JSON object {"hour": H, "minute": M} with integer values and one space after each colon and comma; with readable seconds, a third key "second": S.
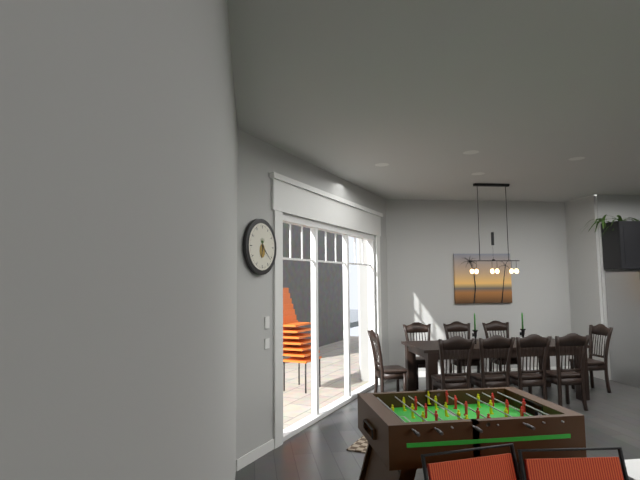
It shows {"hour": 6, "minute": 22}
